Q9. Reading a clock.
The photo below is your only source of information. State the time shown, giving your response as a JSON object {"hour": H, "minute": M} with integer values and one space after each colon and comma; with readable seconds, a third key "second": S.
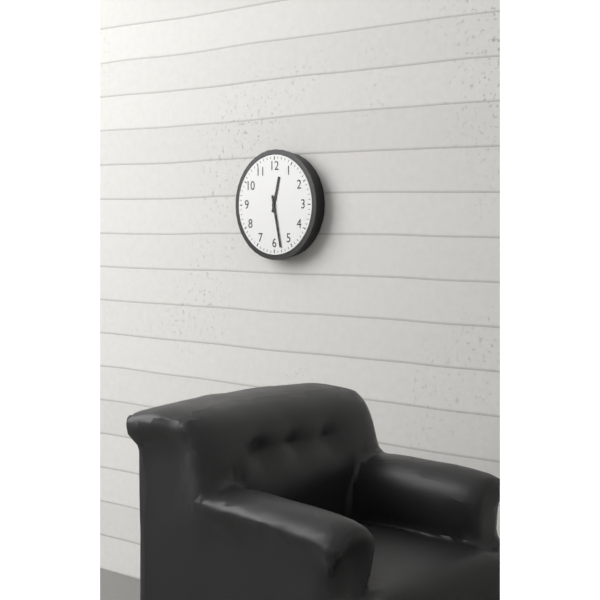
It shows {"hour": 12, "minute": 28}
